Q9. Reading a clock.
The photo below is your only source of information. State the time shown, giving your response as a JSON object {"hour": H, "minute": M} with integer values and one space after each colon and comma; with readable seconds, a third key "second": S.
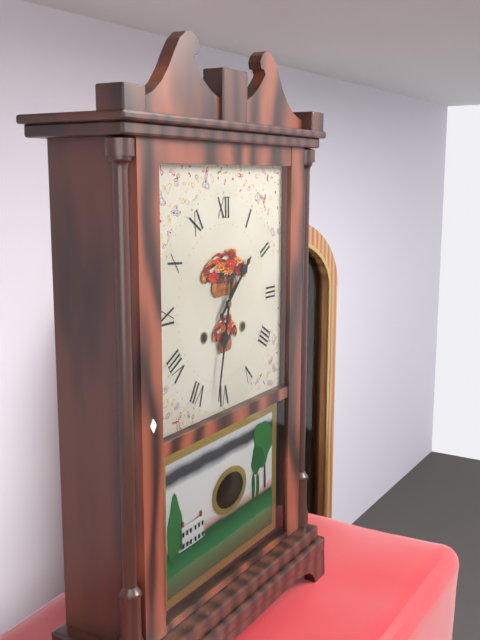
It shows {"hour": 1, "minute": 32}
